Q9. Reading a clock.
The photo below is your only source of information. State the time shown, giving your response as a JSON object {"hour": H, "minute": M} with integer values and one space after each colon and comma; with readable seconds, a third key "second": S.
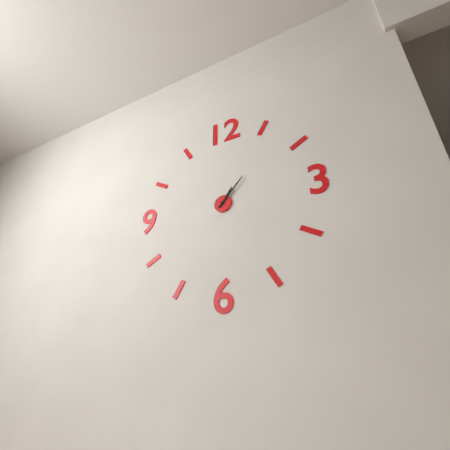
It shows {"hour": 1, "minute": 7}
